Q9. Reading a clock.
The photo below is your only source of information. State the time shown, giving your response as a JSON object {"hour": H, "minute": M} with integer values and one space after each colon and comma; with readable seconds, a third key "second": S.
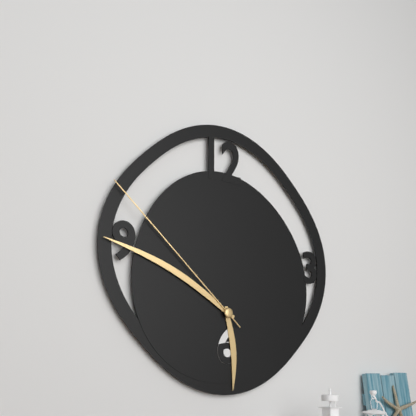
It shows {"hour": 5, "minute": 49, "second": 52}
